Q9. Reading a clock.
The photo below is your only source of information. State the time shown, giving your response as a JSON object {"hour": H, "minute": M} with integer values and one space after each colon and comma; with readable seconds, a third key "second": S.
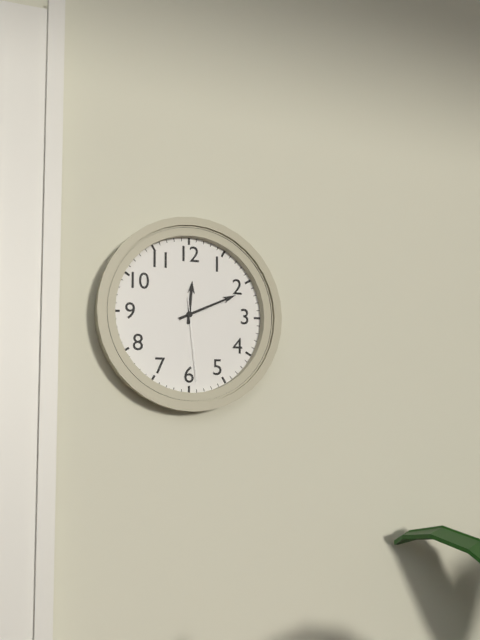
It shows {"hour": 12, "minute": 11, "second": 29}
